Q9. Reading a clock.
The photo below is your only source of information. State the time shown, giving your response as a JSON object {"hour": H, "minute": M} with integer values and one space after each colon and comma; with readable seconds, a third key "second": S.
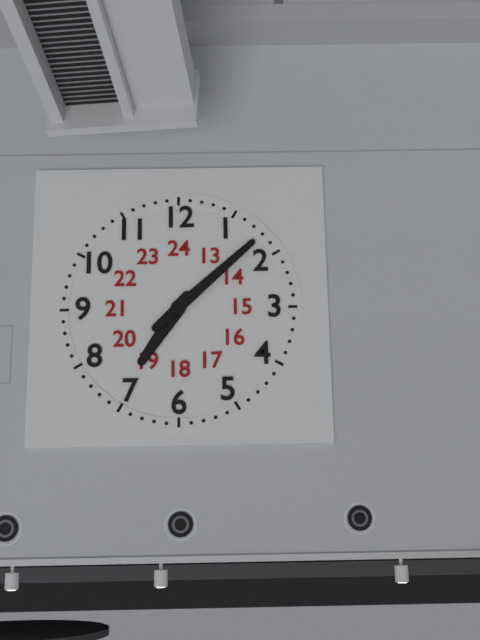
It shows {"hour": 7, "minute": 8}
